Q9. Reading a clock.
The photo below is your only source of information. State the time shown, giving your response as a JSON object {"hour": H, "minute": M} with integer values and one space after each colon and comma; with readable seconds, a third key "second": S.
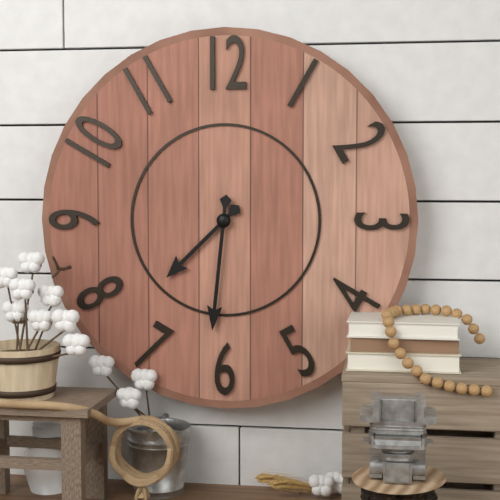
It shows {"hour": 7, "minute": 31}
